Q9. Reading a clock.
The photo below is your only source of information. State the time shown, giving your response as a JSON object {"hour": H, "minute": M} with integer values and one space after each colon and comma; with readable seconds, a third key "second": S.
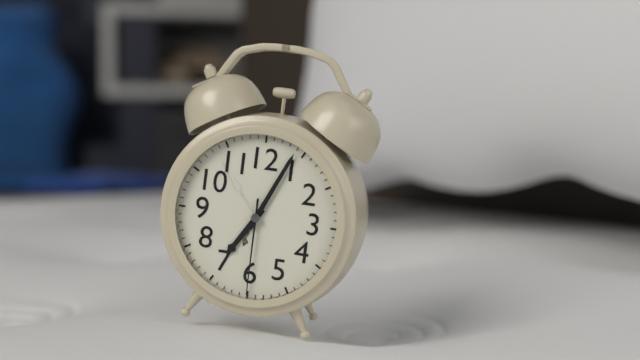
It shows {"hour": 7, "minute": 4, "second": 30}
